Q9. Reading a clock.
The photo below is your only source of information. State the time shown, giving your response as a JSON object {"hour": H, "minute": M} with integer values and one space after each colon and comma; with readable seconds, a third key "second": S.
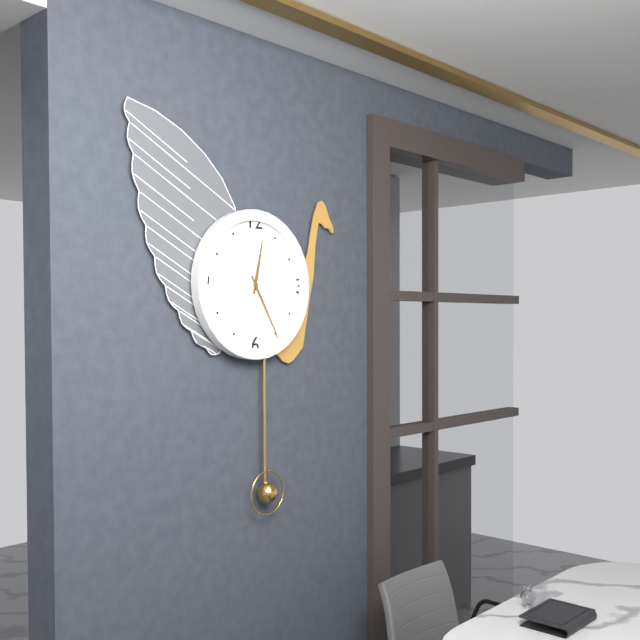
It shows {"hour": 12, "minute": 25}
